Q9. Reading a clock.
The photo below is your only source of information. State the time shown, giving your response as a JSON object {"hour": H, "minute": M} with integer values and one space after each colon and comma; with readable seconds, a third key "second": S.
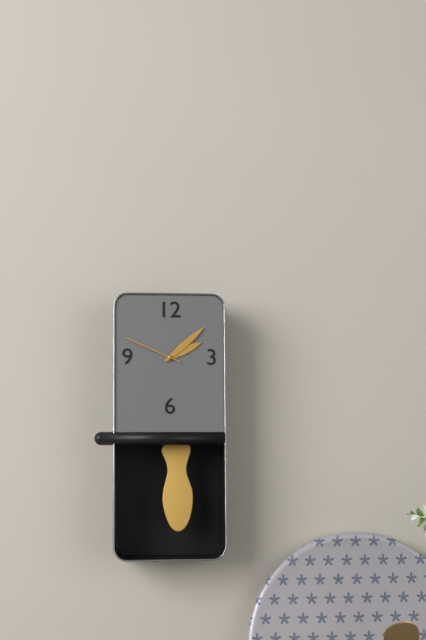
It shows {"hour": 2, "minute": 8, "second": 49}
